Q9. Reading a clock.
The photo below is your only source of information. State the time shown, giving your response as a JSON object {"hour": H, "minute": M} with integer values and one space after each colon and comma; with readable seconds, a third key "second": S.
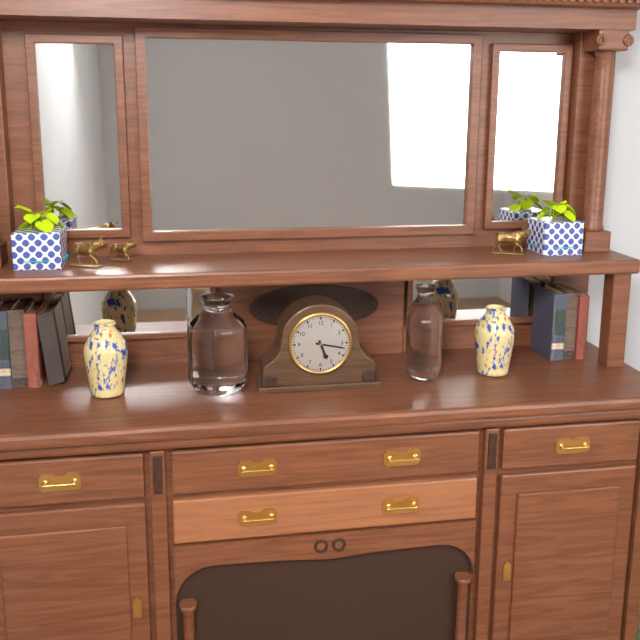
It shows {"hour": 5, "minute": 17}
